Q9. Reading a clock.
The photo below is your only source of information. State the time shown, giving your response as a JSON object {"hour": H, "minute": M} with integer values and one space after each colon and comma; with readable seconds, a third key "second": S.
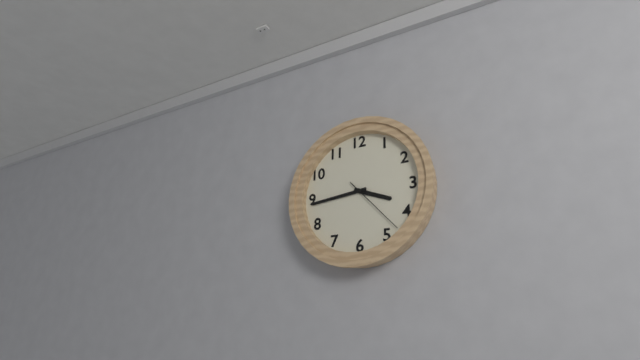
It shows {"hour": 3, "minute": 44, "second": 23}
